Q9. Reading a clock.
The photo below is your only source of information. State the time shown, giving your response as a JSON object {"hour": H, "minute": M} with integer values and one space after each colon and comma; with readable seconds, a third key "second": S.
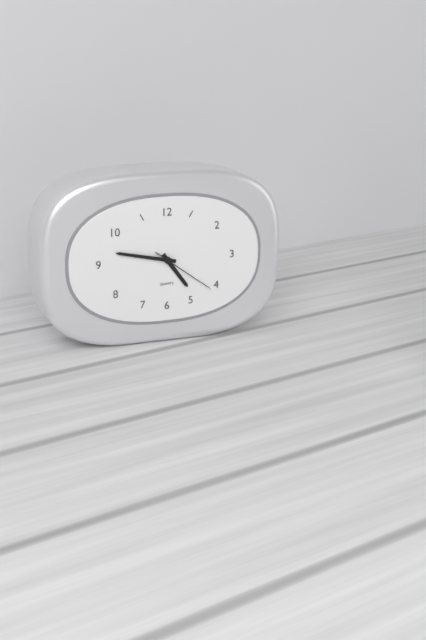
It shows {"hour": 4, "minute": 47, "second": 21}
